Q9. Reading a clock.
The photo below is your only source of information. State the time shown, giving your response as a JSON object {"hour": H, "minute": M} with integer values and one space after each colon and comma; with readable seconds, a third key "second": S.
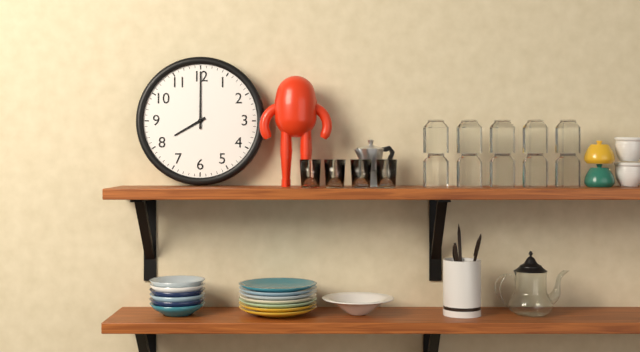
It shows {"hour": 8, "minute": 0}
